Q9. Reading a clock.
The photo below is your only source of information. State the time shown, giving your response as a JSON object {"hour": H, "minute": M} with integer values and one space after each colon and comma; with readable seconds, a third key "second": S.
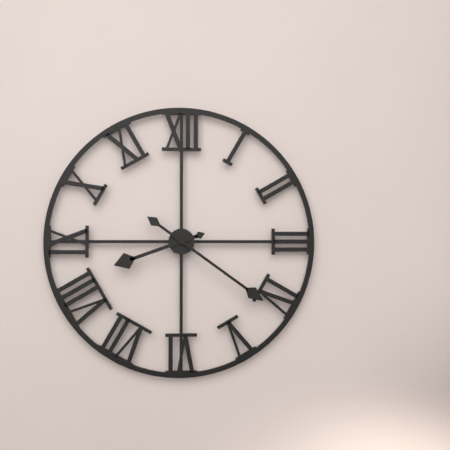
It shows {"hour": 8, "minute": 21}
